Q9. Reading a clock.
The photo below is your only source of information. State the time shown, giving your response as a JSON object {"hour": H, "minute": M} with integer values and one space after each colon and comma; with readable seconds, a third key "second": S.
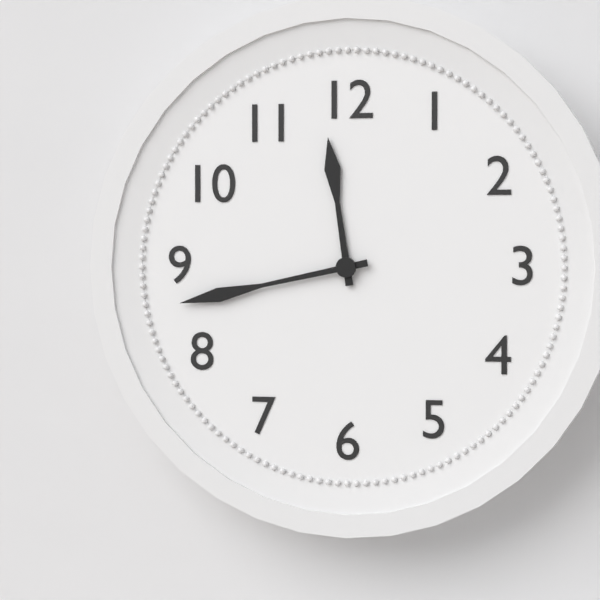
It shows {"hour": 11, "minute": 43}
